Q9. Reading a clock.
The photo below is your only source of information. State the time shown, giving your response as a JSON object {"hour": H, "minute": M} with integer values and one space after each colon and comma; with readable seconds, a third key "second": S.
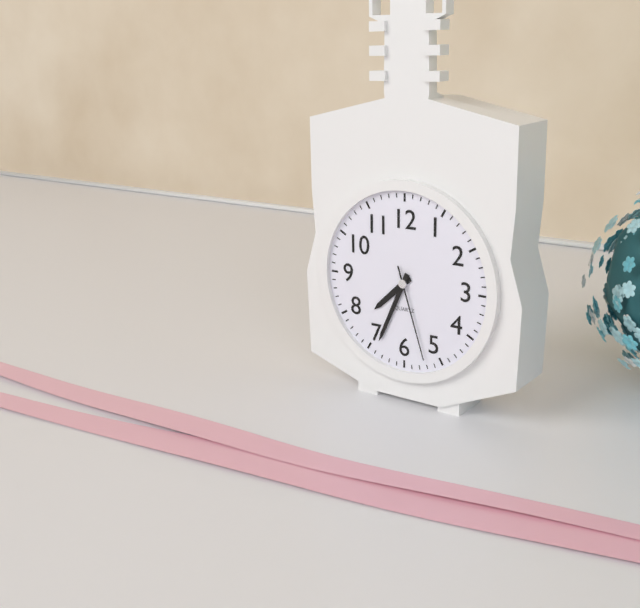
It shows {"hour": 7, "minute": 34, "second": 27}
